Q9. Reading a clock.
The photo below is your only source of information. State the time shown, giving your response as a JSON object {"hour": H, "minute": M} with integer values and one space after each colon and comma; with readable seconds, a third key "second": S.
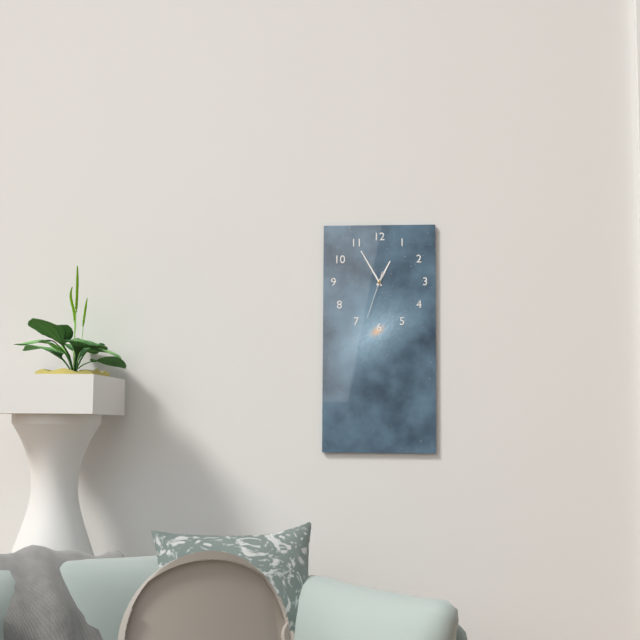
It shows {"hour": 12, "minute": 55}
